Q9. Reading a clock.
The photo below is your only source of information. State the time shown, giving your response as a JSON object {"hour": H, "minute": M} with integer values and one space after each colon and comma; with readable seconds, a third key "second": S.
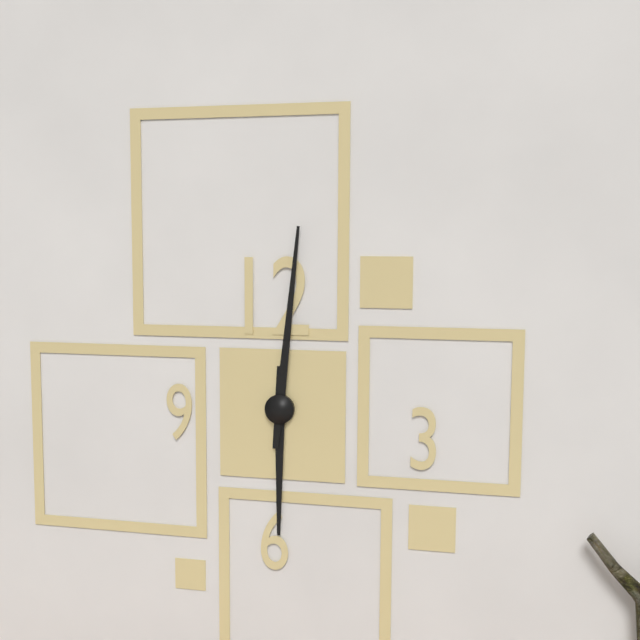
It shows {"hour": 6, "minute": 1}
